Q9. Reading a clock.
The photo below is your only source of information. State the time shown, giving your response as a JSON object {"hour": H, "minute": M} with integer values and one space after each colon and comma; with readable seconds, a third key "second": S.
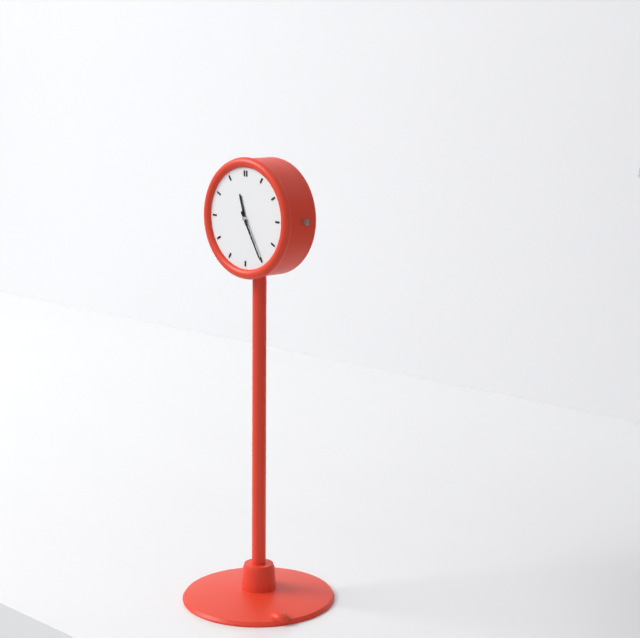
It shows {"hour": 11, "minute": 25}
